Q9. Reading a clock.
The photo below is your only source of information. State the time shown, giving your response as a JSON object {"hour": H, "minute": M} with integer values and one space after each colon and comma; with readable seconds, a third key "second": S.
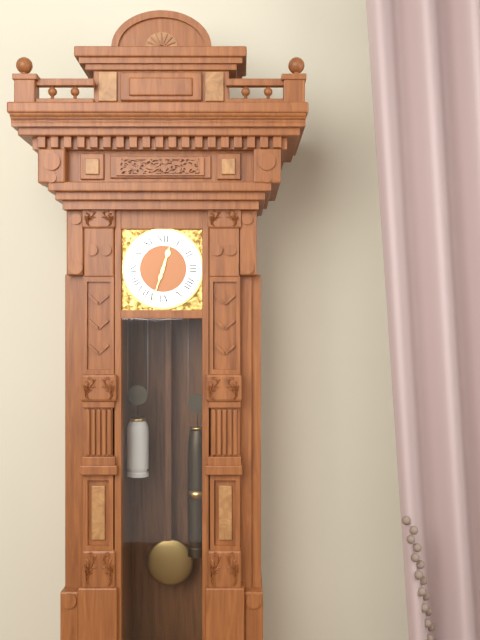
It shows {"hour": 12, "minute": 33}
